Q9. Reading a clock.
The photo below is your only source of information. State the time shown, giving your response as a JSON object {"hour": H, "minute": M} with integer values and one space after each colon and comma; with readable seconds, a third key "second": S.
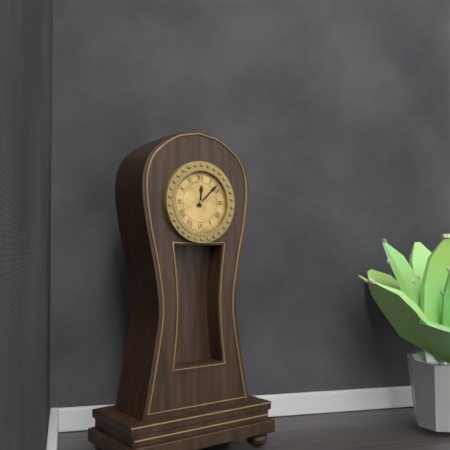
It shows {"hour": 12, "minute": 8}
